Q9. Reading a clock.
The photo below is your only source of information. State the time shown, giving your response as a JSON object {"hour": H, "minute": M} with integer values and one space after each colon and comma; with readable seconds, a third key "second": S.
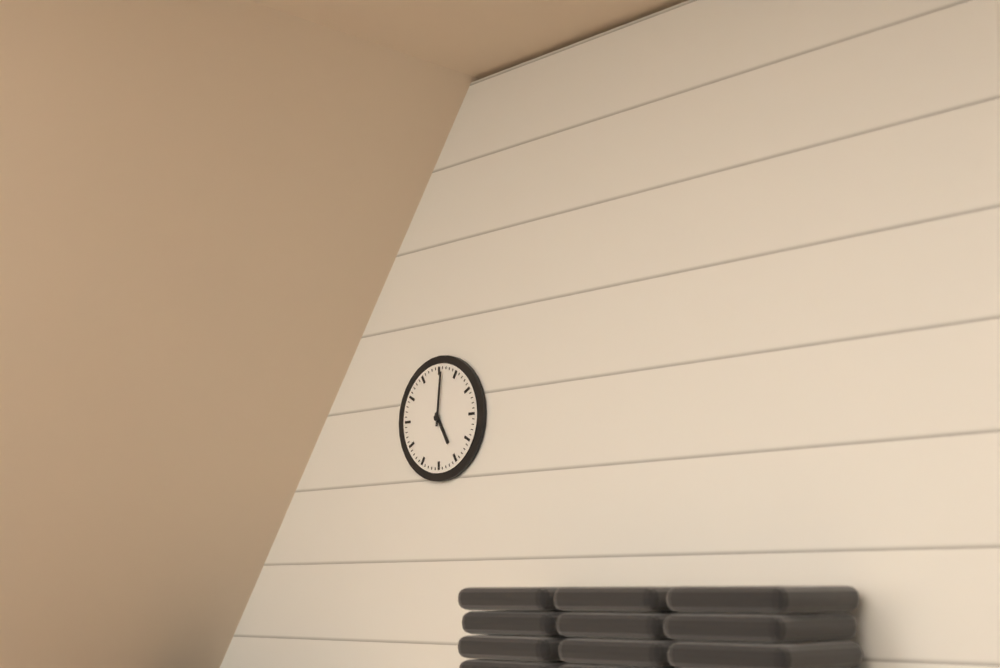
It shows {"hour": 5, "minute": 1}
